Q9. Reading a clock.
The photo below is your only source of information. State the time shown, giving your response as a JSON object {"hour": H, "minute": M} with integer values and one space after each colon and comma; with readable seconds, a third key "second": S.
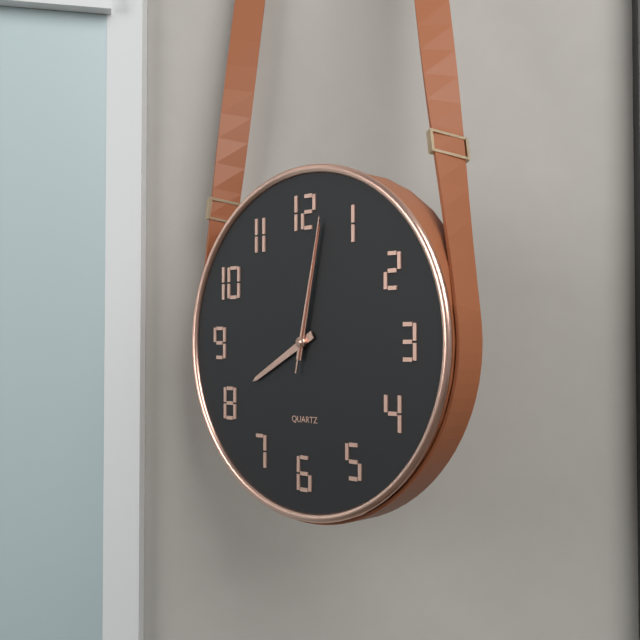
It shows {"hour": 8, "minute": 2, "second": 2}
